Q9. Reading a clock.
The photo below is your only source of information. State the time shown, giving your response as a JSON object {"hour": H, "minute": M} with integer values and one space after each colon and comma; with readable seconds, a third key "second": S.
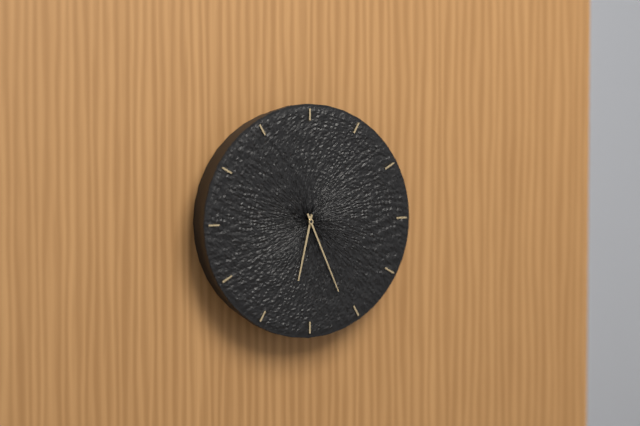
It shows {"hour": 6, "minute": 26}
